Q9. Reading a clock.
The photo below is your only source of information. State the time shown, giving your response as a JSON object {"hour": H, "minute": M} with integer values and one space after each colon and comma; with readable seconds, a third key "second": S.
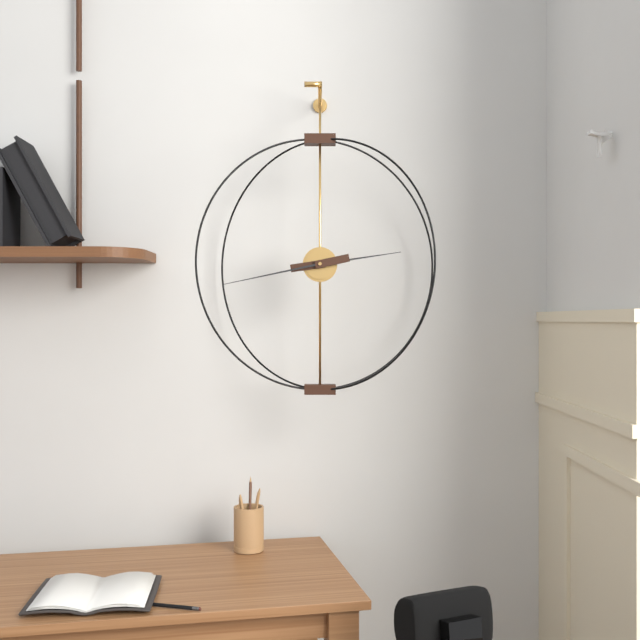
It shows {"hour": 2, "minute": 43}
